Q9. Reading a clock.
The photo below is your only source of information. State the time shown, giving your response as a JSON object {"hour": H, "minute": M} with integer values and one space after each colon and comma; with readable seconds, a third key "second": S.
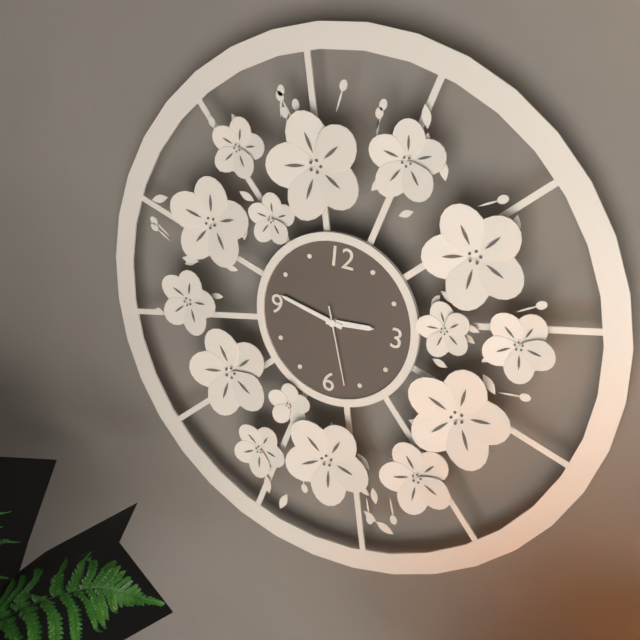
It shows {"hour": 2, "minute": 47, "second": 27}
